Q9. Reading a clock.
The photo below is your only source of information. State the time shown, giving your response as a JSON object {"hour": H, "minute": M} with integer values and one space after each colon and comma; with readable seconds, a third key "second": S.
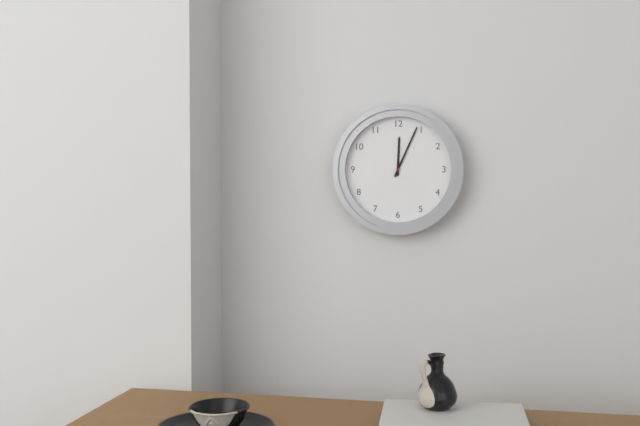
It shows {"hour": 12, "minute": 4}
